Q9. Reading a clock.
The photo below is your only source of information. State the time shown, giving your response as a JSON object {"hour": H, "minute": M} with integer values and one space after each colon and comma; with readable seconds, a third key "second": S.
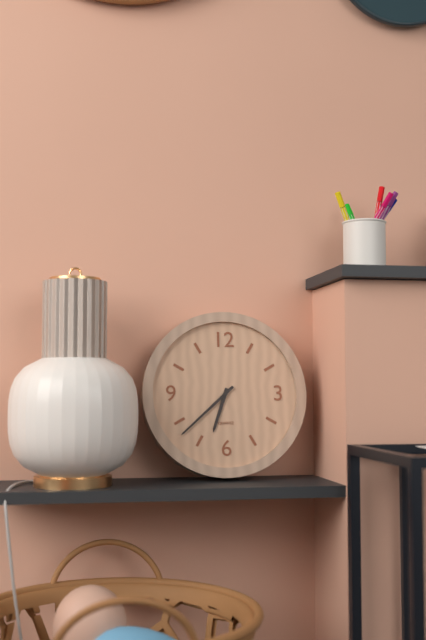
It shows {"hour": 6, "minute": 38}
